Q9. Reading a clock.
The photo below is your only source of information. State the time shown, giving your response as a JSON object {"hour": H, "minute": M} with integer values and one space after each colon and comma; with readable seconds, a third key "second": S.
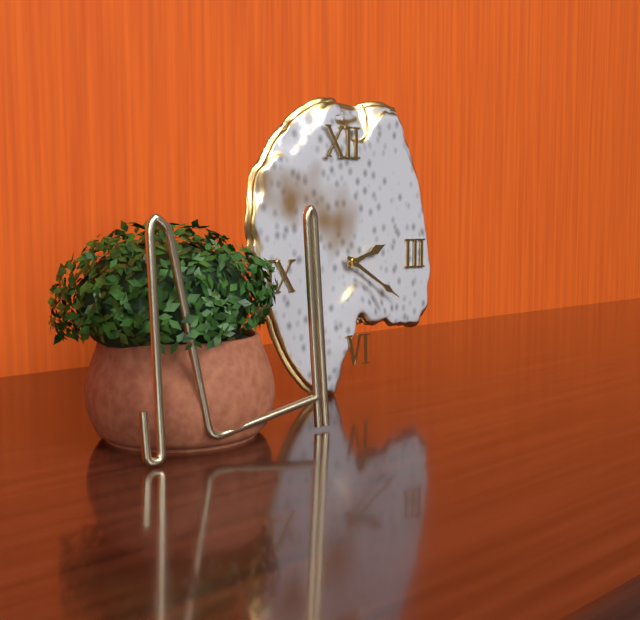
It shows {"hour": 2, "minute": 20}
